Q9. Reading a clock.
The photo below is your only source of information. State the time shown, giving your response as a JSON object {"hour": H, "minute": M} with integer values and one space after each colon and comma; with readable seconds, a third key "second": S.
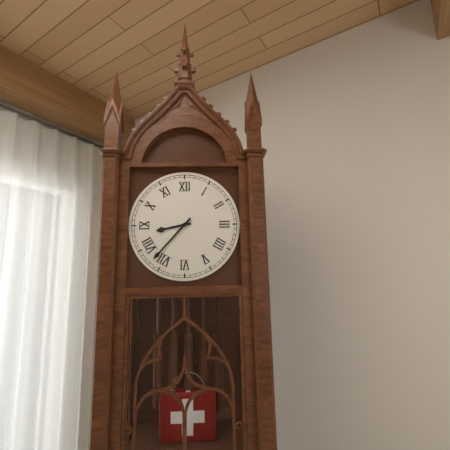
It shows {"hour": 8, "minute": 37}
